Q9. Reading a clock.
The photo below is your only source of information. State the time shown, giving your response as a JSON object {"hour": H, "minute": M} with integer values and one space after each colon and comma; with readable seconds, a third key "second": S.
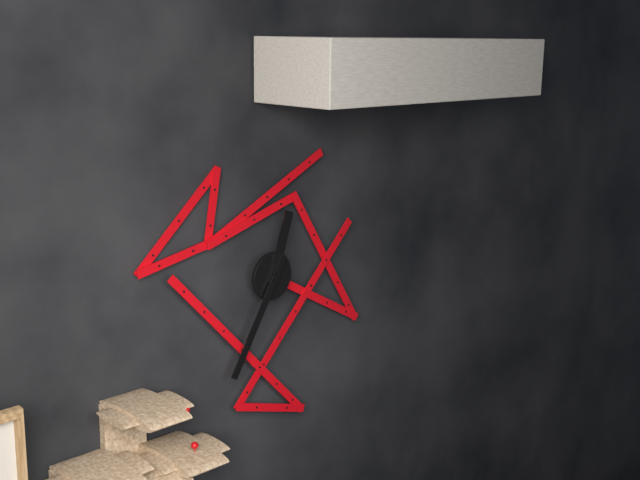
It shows {"hour": 12, "minute": 35}
